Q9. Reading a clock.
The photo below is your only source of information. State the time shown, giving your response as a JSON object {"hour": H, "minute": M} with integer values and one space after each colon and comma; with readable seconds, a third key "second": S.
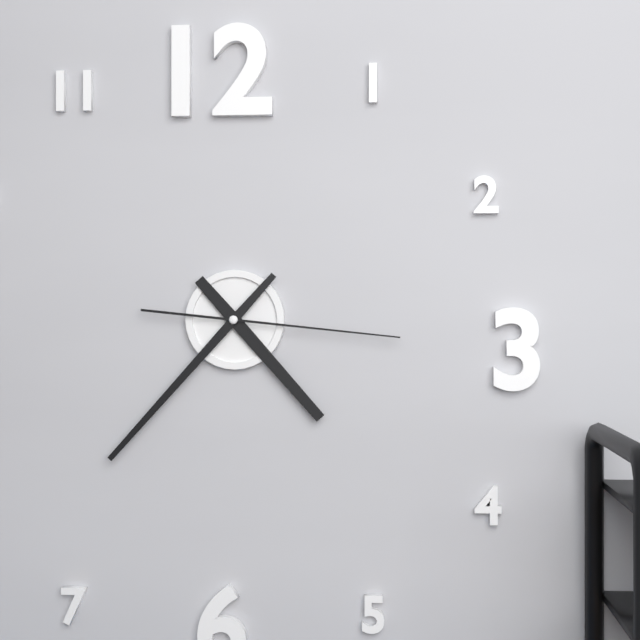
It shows {"hour": 4, "minute": 37, "second": 16}
